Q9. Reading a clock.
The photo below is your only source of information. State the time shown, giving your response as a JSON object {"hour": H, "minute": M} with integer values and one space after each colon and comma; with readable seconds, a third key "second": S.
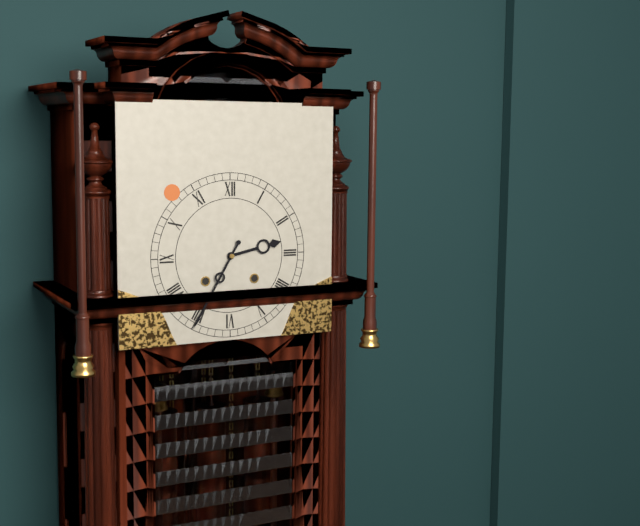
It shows {"hour": 2, "minute": 35}
